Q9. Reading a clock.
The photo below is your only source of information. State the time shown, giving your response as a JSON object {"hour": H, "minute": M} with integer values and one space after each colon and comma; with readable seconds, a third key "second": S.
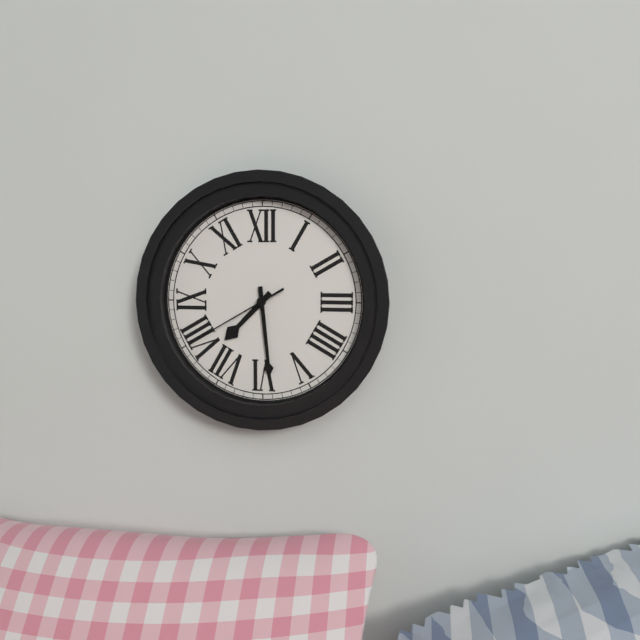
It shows {"hour": 7, "minute": 29, "second": 40}
